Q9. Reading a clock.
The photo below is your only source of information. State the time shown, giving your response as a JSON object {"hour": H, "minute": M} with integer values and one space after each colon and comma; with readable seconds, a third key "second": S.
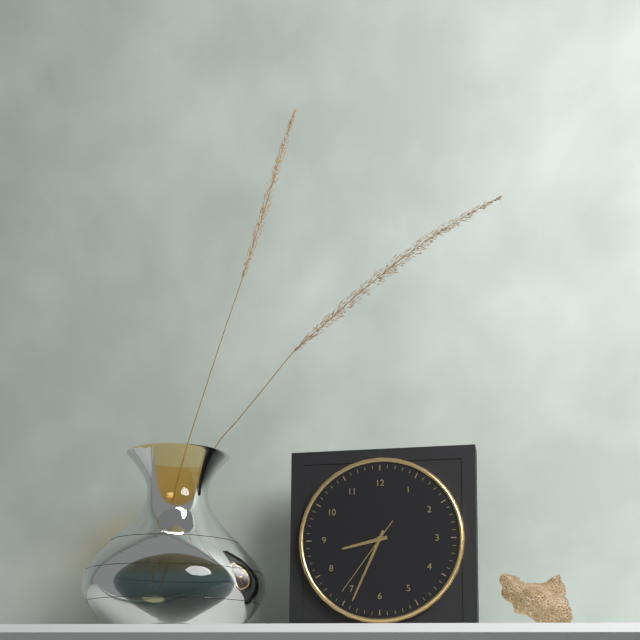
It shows {"hour": 8, "minute": 34, "second": 36}
